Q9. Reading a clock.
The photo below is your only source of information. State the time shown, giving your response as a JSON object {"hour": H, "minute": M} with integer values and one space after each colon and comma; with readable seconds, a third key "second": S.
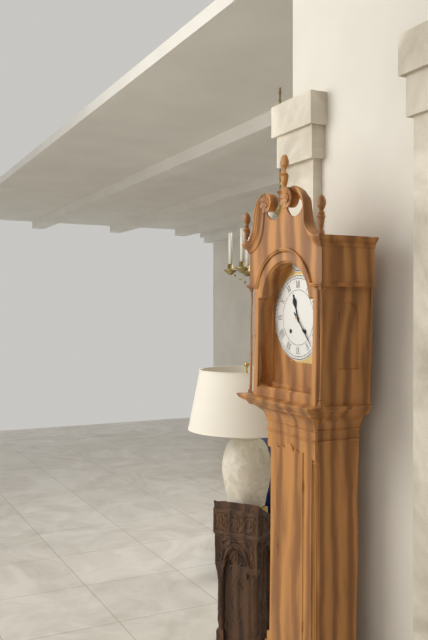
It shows {"hour": 11, "minute": 23}
